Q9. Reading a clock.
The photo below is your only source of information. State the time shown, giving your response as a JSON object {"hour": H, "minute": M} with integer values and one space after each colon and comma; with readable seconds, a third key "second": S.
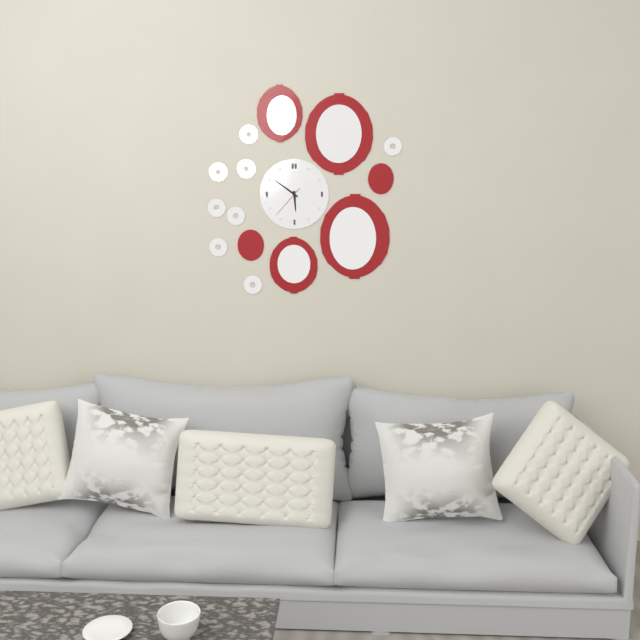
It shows {"hour": 5, "minute": 51}
